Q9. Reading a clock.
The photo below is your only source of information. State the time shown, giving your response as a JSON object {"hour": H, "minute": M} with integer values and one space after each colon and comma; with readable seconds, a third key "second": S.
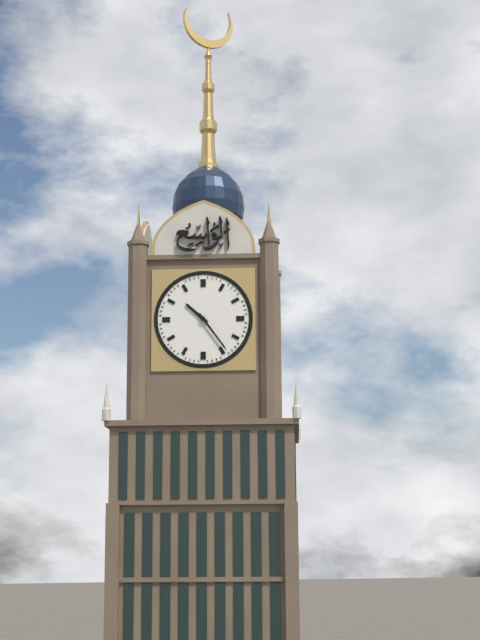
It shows {"hour": 10, "minute": 24}
